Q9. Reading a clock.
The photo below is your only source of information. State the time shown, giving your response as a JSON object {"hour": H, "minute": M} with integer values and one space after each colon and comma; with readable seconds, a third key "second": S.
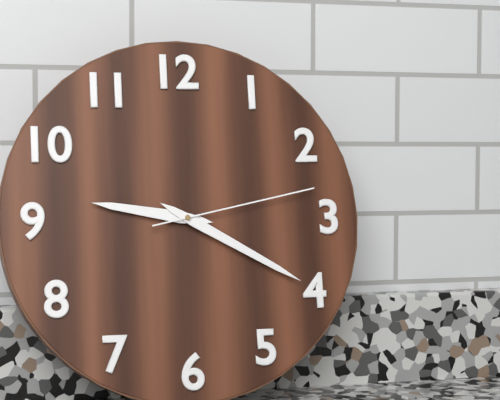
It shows {"hour": 9, "minute": 20, "second": 13}
